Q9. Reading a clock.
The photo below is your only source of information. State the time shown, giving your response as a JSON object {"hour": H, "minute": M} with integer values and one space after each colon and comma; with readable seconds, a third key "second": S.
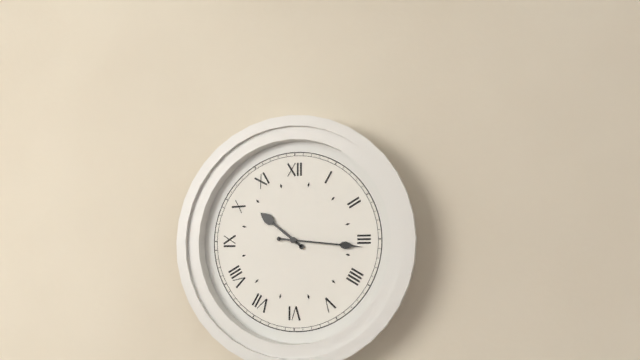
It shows {"hour": 10, "minute": 16}
